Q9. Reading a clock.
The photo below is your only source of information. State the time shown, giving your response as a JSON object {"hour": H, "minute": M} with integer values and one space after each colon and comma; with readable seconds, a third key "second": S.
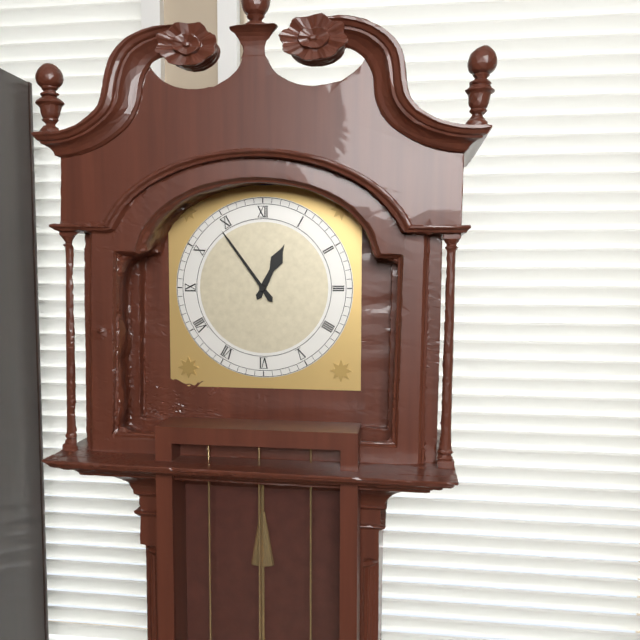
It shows {"hour": 12, "minute": 54}
